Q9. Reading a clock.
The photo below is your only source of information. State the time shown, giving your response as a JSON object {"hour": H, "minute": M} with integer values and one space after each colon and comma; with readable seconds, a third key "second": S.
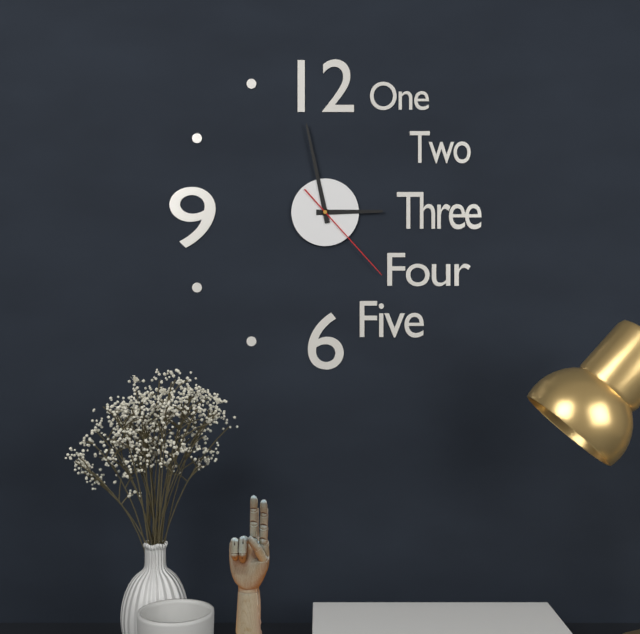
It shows {"hour": 2, "minute": 58, "second": 23}
